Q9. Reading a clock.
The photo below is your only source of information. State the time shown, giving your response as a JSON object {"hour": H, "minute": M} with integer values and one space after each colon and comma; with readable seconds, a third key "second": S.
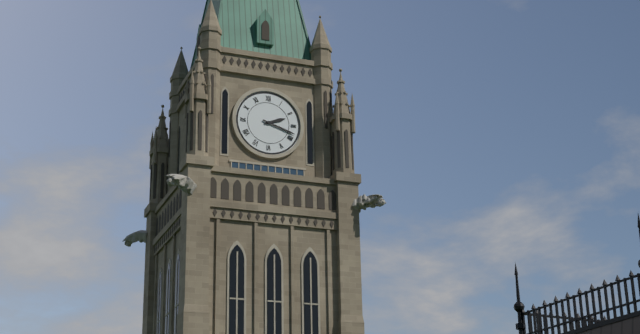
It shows {"hour": 2, "minute": 18}
